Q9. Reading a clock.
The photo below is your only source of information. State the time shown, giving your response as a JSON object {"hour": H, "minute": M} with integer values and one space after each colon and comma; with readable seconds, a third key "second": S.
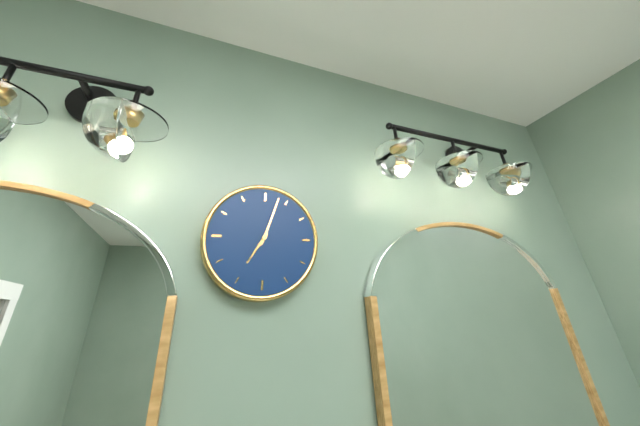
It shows {"hour": 7, "minute": 3}
